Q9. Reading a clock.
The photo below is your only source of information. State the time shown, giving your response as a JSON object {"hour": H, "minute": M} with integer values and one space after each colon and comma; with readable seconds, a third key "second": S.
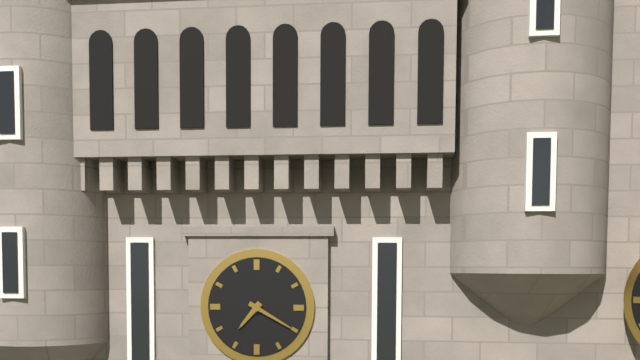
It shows {"hour": 7, "minute": 20}
